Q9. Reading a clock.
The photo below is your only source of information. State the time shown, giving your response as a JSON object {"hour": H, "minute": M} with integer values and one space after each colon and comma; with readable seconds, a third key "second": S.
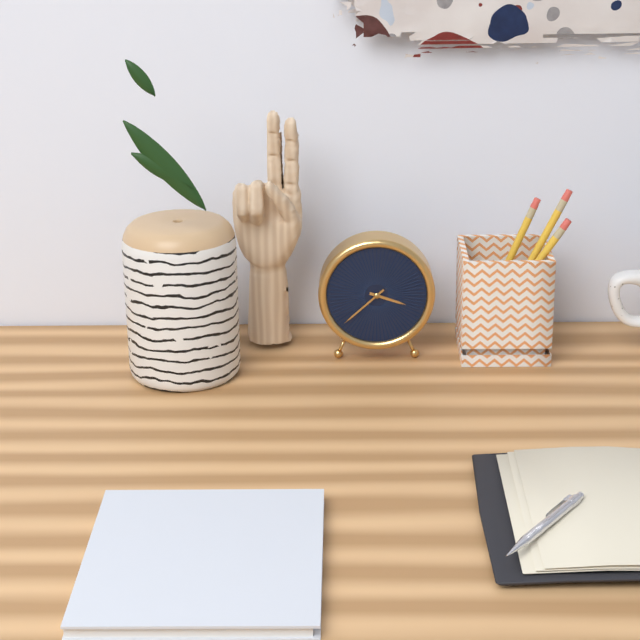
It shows {"hour": 3, "minute": 38}
